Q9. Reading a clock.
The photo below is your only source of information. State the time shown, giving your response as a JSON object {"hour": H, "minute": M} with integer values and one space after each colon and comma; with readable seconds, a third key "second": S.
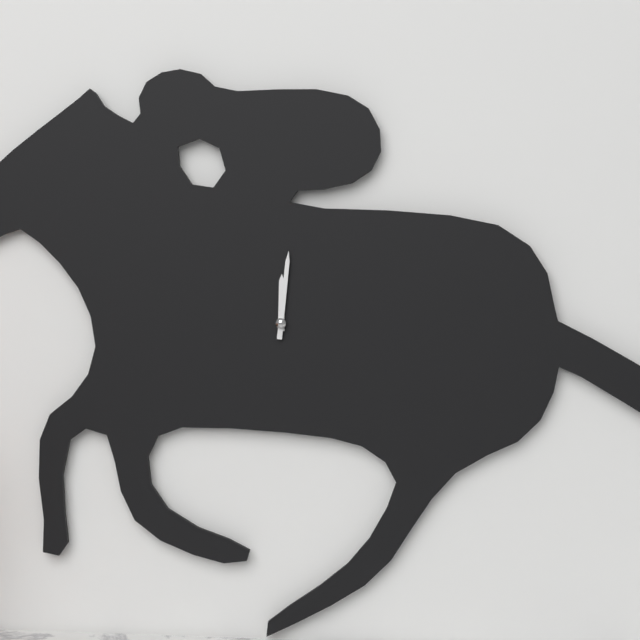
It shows {"hour": 12, "minute": 1}
